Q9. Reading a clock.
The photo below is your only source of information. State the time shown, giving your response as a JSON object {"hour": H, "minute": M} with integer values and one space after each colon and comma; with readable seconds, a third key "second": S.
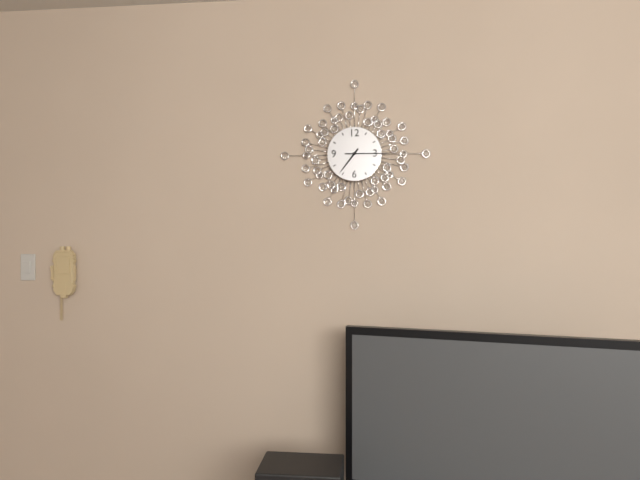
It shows {"hour": 7, "minute": 15}
